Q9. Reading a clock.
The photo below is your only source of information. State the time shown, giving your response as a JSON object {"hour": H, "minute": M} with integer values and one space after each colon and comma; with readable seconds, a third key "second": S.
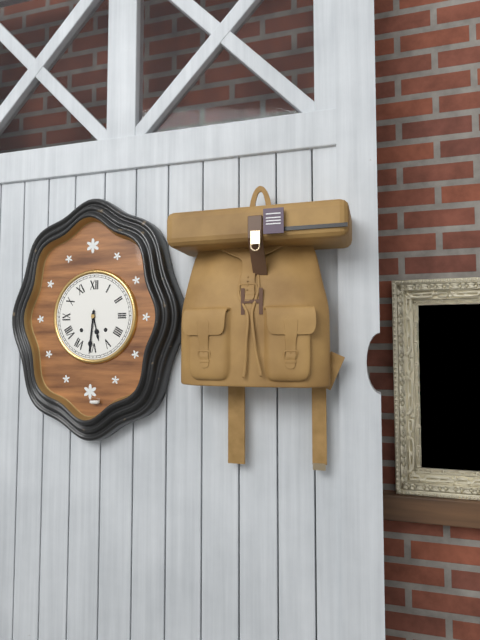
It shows {"hour": 5, "minute": 31}
